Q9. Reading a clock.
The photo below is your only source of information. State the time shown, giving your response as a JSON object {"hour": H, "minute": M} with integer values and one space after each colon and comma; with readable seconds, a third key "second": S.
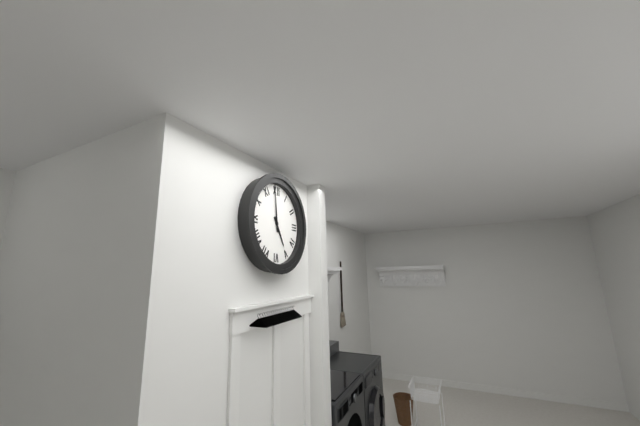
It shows {"hour": 4, "minute": 59}
